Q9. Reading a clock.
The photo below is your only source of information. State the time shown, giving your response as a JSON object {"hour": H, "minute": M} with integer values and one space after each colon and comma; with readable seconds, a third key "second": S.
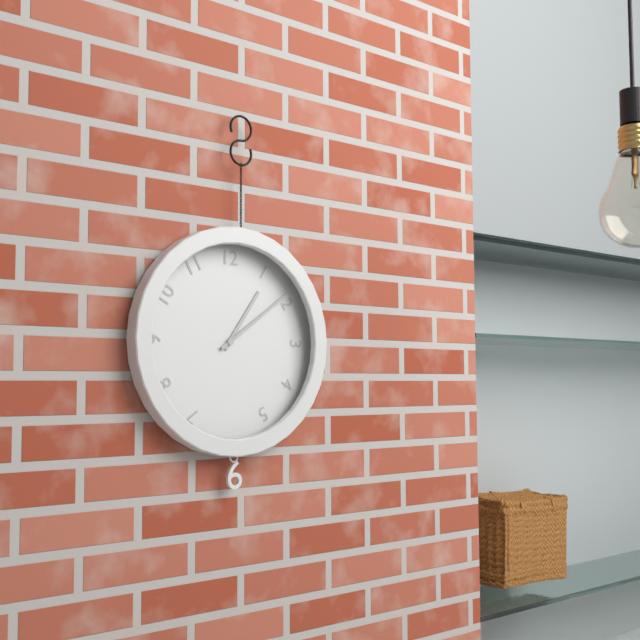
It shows {"hour": 1, "minute": 9}
